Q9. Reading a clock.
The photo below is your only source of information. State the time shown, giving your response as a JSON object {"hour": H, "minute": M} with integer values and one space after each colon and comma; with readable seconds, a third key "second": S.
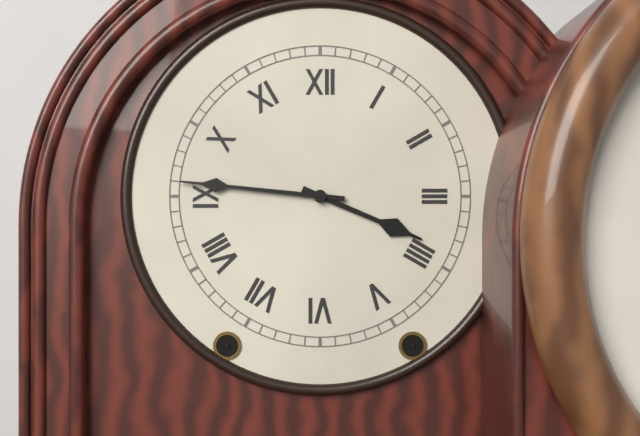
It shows {"hour": 3, "minute": 46}
